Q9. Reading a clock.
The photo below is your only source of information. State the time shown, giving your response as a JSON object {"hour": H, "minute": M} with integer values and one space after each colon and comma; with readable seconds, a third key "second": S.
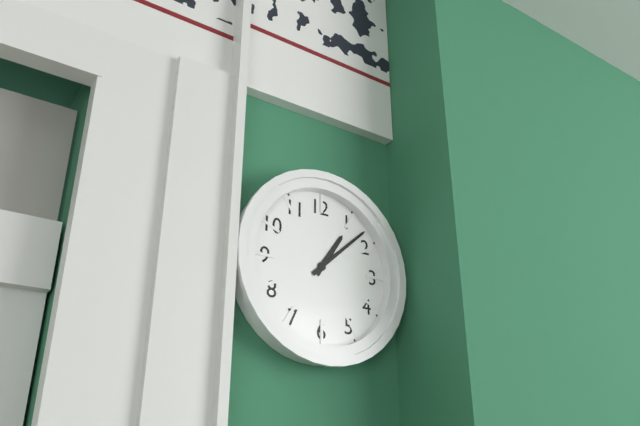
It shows {"hour": 1, "minute": 8}
